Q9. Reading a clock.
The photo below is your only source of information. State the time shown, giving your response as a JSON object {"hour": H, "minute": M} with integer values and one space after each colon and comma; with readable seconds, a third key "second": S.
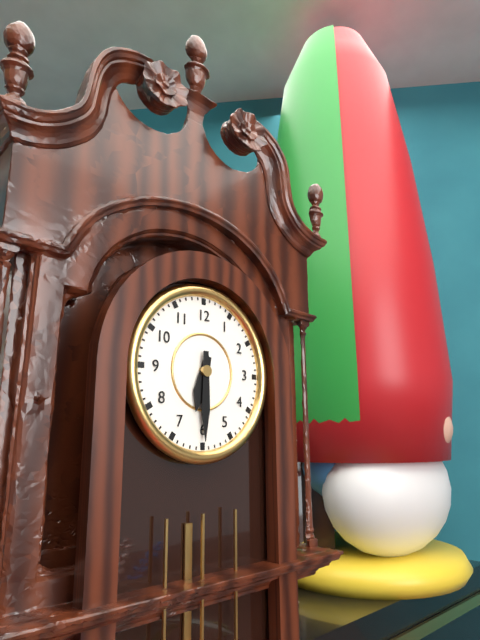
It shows {"hour": 6, "minute": 30}
